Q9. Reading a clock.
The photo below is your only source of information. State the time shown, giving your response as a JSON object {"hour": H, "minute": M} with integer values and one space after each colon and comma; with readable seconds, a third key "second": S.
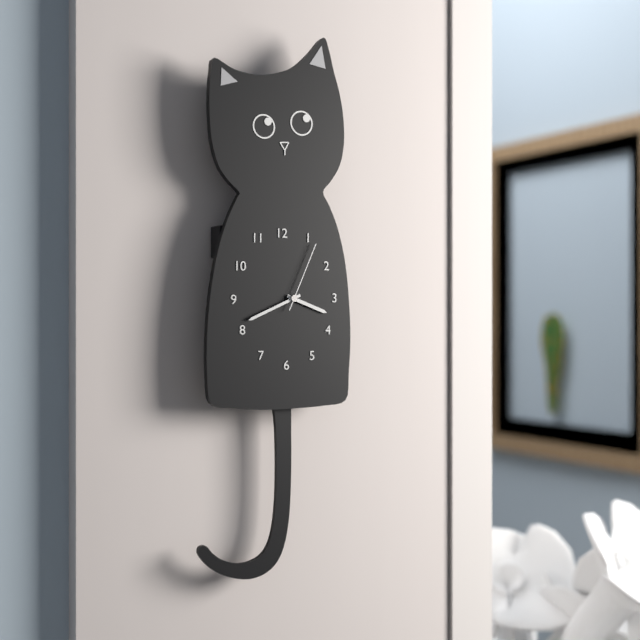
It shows {"hour": 3, "minute": 41, "second": 4}
